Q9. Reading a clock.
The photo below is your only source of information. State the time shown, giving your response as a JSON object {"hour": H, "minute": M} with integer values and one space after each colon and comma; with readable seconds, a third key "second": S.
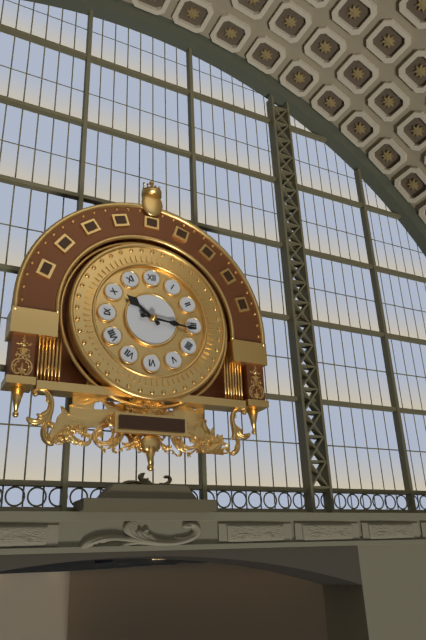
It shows {"hour": 10, "minute": 16}
